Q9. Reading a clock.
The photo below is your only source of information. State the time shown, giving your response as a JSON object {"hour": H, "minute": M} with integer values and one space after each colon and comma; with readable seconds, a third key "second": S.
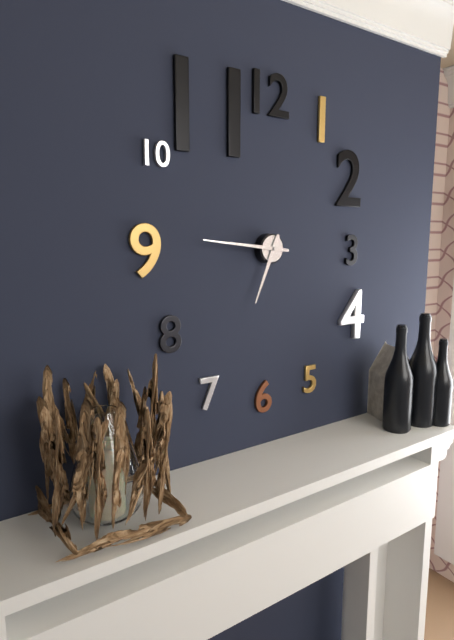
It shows {"hour": 6, "minute": 46}
